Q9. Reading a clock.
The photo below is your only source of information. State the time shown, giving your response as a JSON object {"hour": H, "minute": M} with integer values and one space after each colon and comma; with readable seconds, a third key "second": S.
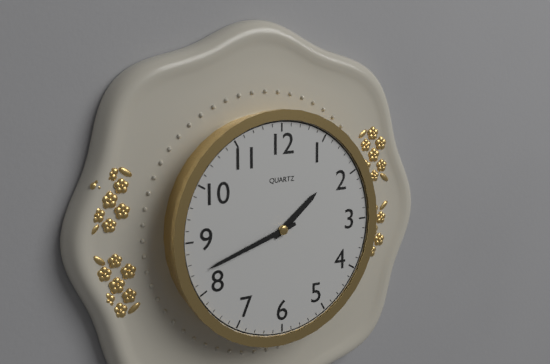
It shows {"hour": 1, "minute": 42}
